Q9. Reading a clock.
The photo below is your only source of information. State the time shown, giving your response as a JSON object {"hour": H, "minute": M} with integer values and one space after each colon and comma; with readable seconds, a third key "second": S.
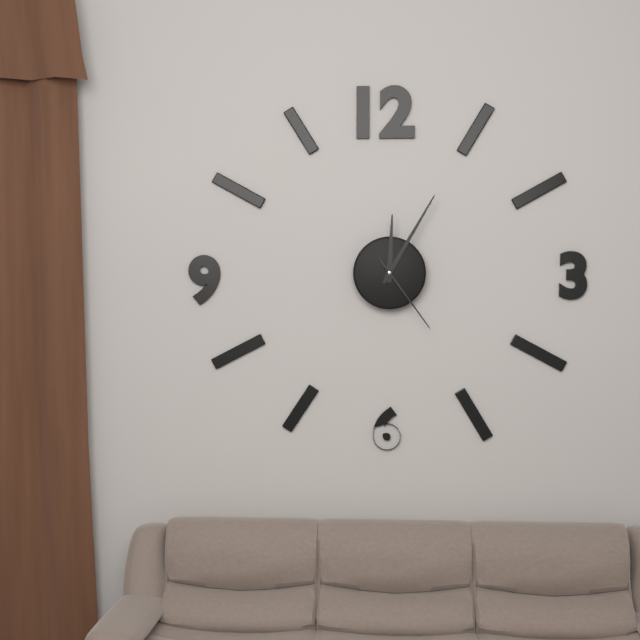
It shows {"hour": 12, "minute": 5, "second": 24}
